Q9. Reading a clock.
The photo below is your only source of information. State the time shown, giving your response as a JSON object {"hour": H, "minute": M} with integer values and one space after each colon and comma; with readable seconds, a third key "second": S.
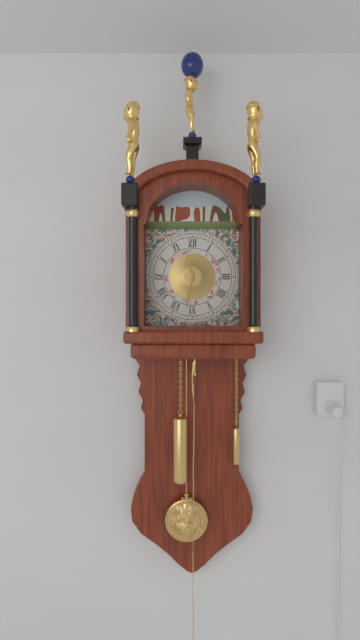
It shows {"hour": 11, "minute": 32}
